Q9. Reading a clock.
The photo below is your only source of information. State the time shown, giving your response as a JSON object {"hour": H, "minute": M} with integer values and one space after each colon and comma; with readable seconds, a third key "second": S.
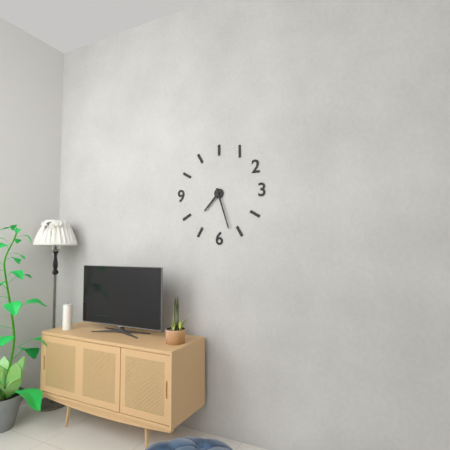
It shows {"hour": 7, "minute": 27}
